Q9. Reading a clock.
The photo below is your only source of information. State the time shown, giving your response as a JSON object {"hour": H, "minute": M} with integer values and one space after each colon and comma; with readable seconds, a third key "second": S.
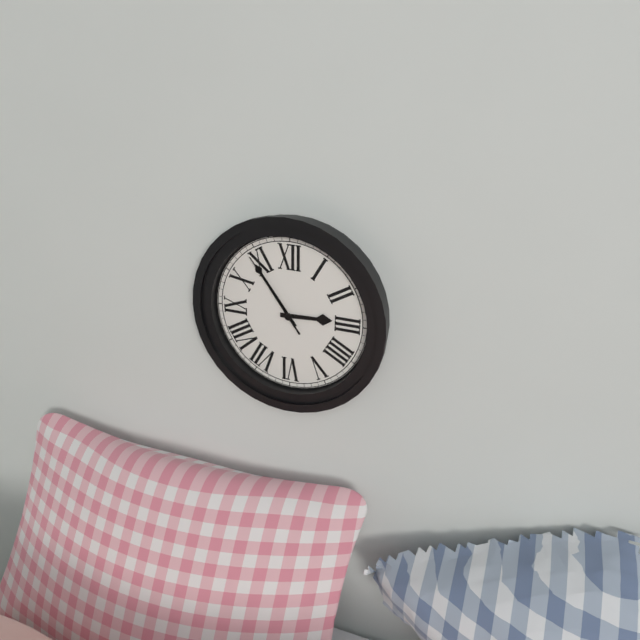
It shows {"hour": 2, "minute": 54, "second": 54}
